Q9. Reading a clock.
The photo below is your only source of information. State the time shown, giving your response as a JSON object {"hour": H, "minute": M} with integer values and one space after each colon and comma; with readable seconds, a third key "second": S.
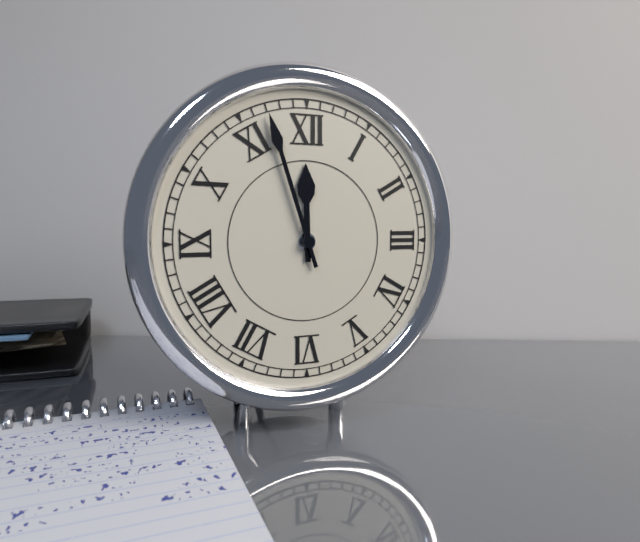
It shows {"hour": 11, "minute": 57}
